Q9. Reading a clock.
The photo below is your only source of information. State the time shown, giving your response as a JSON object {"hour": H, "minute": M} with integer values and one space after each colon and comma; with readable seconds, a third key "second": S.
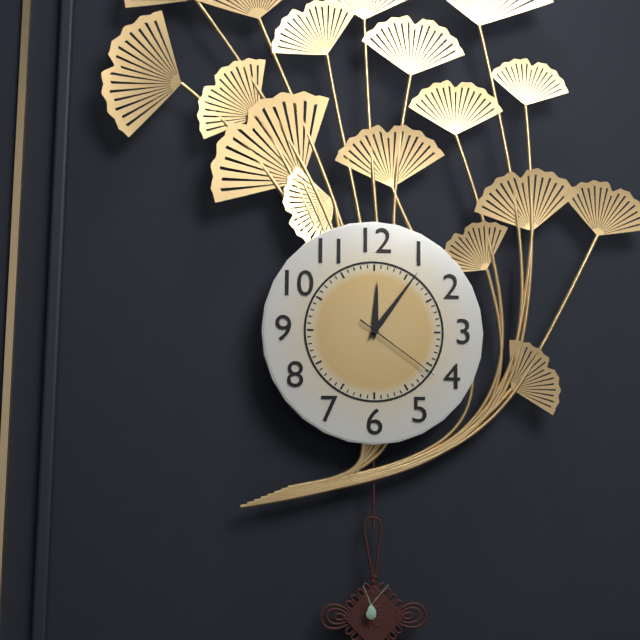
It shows {"hour": 12, "minute": 6, "second": 21}
